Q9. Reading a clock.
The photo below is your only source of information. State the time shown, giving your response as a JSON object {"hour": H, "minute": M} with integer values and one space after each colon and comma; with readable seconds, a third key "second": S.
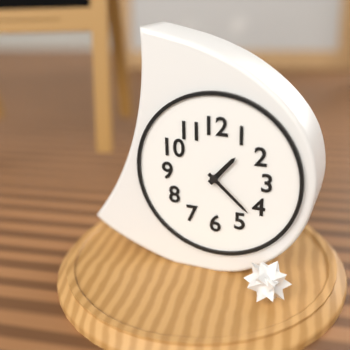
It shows {"hour": 1, "minute": 22}
